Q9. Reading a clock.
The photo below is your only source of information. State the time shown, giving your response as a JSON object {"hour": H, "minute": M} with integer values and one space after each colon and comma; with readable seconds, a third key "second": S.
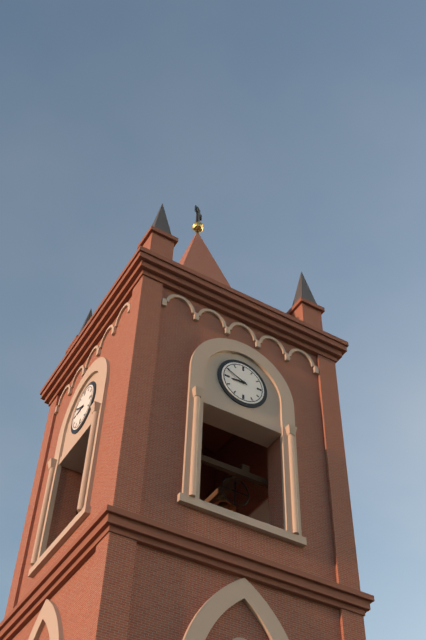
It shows {"hour": 8, "minute": 49}
